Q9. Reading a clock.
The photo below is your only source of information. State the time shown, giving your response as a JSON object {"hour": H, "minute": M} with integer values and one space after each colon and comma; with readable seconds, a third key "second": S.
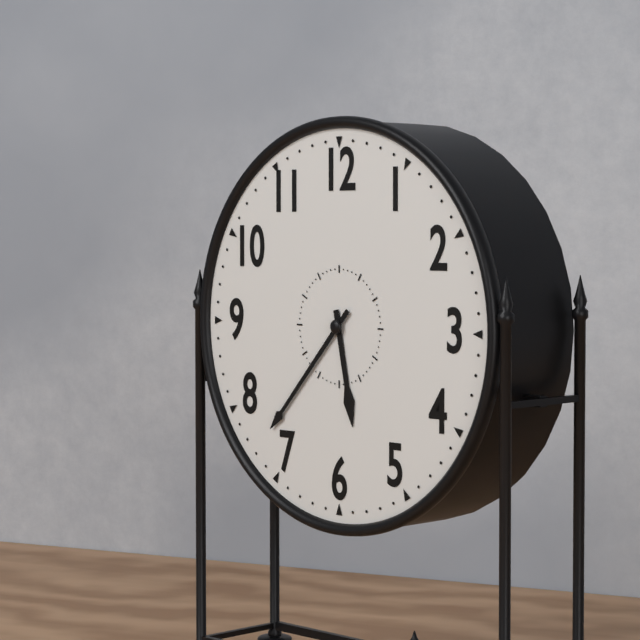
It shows {"hour": 5, "minute": 37}
